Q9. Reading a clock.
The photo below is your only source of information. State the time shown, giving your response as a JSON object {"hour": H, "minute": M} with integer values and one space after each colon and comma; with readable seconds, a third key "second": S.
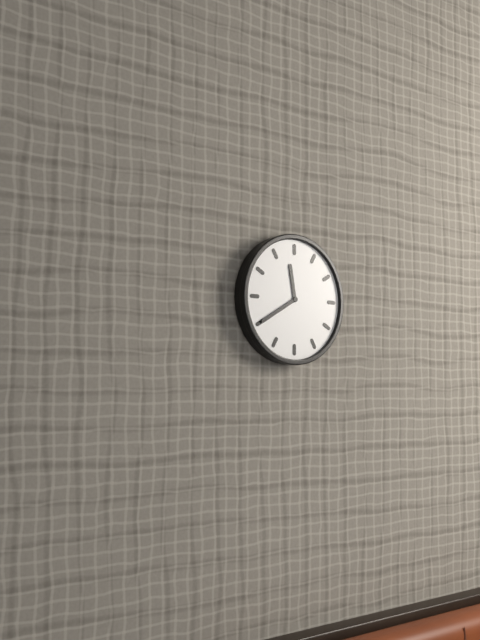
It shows {"hour": 11, "minute": 40}
